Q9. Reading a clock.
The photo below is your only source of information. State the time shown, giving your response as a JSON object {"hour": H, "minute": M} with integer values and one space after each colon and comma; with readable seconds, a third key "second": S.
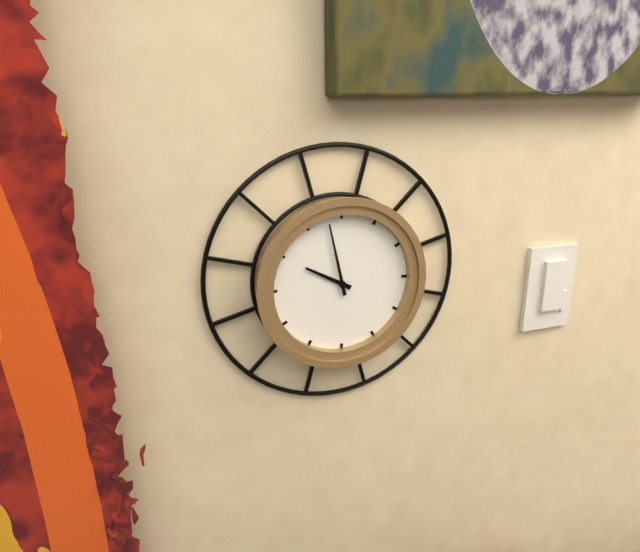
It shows {"hour": 9, "minute": 58}
